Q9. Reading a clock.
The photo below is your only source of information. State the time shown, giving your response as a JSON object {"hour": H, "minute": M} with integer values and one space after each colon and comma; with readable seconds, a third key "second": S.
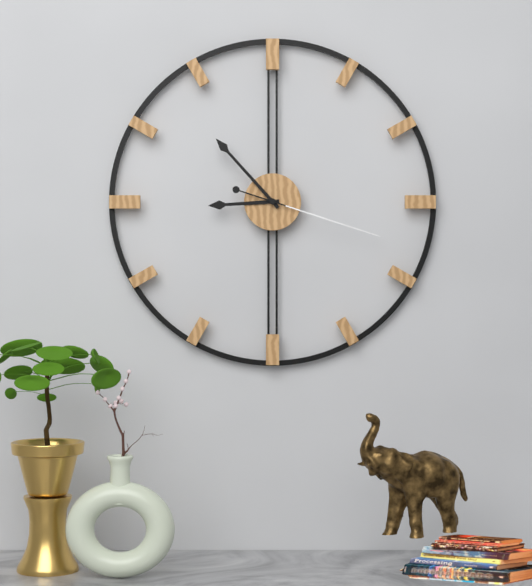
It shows {"hour": 8, "minute": 53, "second": 18}
